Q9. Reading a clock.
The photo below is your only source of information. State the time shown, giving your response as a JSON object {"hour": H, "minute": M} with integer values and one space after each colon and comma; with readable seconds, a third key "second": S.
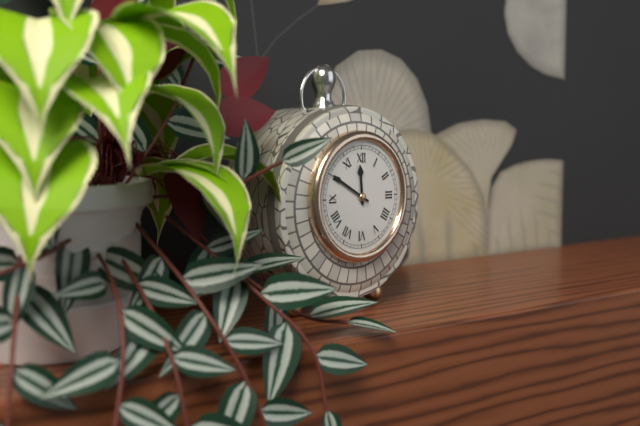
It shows {"hour": 11, "minute": 50}
